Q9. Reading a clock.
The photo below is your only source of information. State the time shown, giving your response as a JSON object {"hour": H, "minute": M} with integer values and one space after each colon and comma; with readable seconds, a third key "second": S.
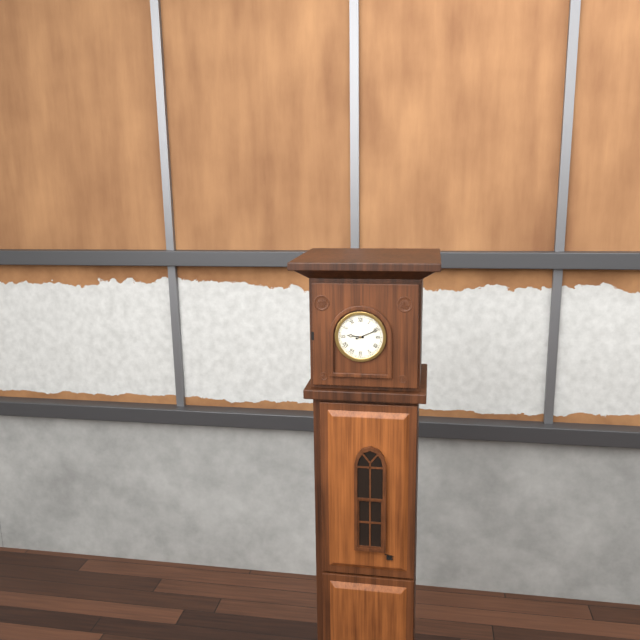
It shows {"hour": 9, "minute": 11}
